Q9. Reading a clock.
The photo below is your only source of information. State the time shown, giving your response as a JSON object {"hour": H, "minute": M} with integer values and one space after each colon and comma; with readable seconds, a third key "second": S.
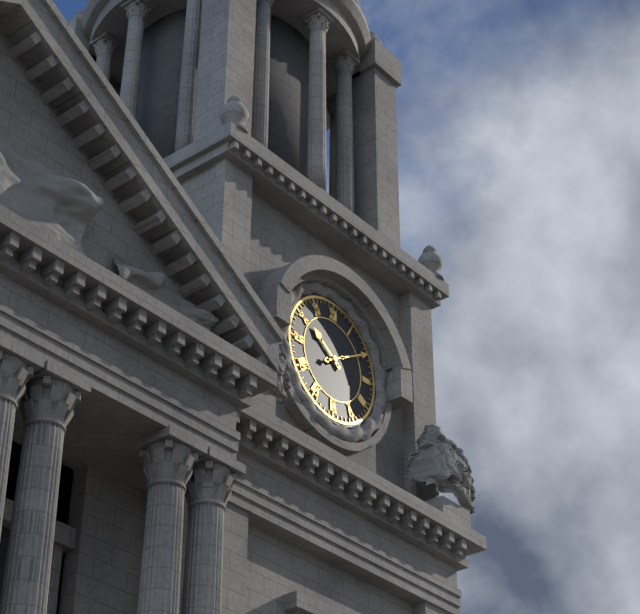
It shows {"hour": 10, "minute": 10}
